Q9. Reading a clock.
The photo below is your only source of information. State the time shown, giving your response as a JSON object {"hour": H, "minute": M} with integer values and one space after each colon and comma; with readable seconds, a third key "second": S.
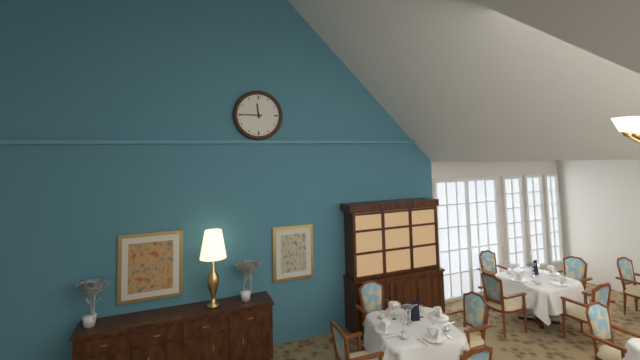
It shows {"hour": 11, "minute": 45}
